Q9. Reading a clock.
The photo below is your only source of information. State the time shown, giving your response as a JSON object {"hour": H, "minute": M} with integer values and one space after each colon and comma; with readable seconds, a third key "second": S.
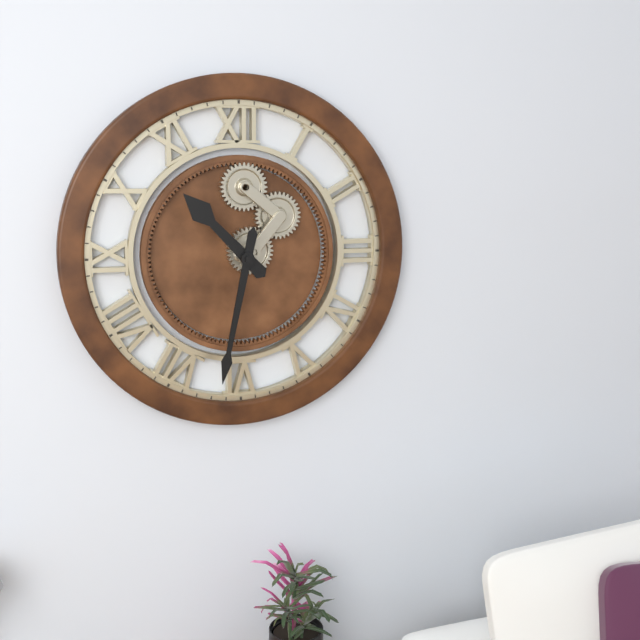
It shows {"hour": 10, "minute": 32}
